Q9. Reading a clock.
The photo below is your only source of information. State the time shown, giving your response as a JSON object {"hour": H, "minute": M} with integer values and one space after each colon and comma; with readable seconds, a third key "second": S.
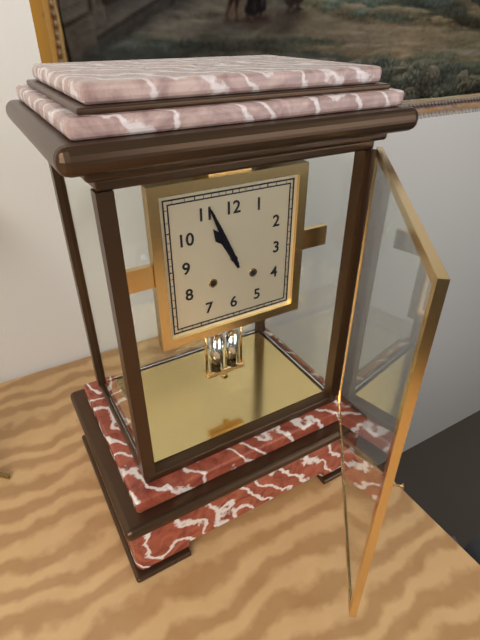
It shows {"hour": 10, "minute": 56}
